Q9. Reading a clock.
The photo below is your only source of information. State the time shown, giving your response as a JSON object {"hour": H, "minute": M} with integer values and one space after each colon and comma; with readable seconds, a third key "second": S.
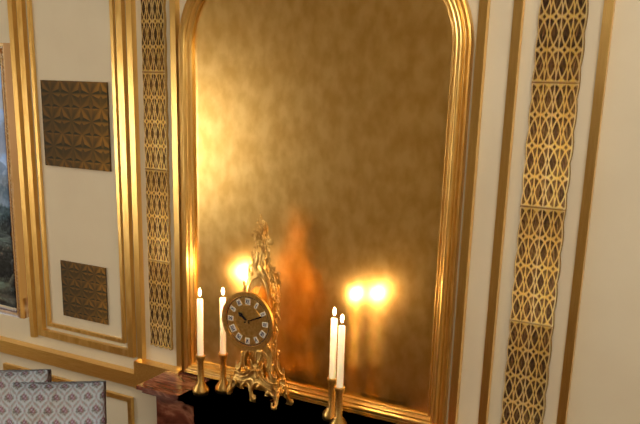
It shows {"hour": 10, "minute": 11}
